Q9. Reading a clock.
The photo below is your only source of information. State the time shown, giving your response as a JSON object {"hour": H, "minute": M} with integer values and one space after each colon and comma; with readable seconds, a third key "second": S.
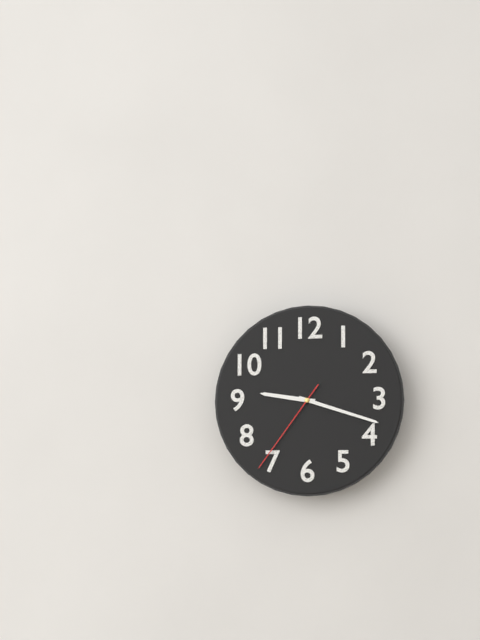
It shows {"hour": 9, "minute": 18, "second": 36}
